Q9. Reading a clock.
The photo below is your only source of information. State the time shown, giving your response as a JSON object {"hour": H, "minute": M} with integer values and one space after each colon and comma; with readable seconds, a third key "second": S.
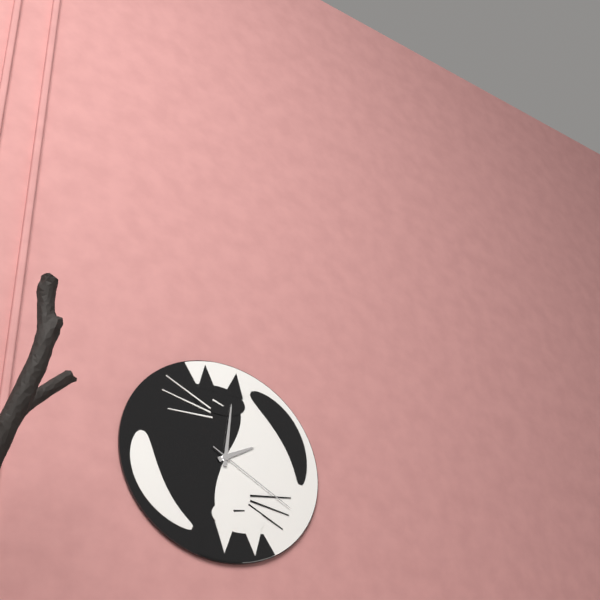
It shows {"hour": 2, "minute": 1, "second": 20}
